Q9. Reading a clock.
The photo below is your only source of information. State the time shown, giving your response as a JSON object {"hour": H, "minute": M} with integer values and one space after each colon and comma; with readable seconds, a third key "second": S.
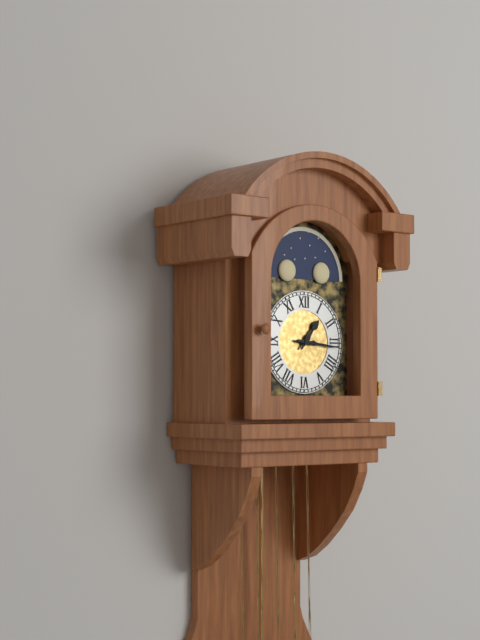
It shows {"hour": 1, "minute": 16}
